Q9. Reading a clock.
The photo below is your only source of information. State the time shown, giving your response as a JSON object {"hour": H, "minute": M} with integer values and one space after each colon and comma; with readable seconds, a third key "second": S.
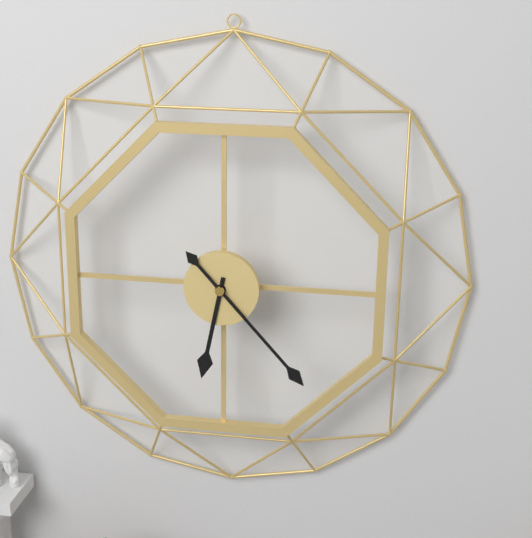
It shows {"hour": 6, "minute": 23}
